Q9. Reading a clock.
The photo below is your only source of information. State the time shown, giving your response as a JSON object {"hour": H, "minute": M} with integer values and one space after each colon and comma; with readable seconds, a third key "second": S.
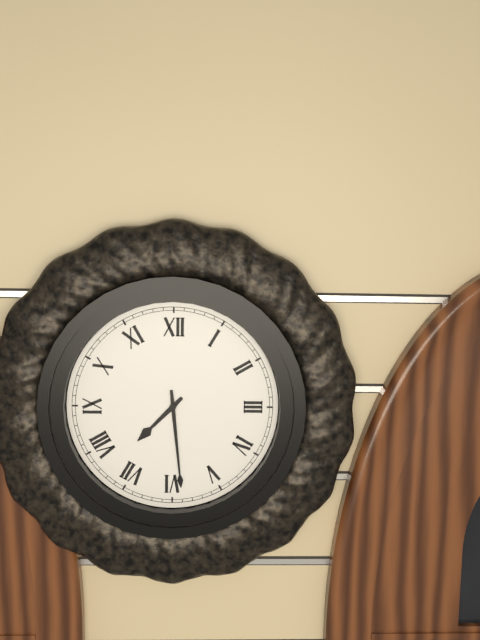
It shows {"hour": 7, "minute": 29}
